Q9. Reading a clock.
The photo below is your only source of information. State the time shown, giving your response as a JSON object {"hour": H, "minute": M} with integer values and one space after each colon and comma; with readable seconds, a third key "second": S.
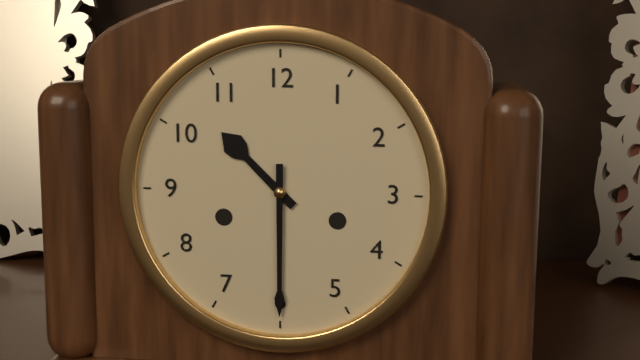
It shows {"hour": 10, "minute": 30}
